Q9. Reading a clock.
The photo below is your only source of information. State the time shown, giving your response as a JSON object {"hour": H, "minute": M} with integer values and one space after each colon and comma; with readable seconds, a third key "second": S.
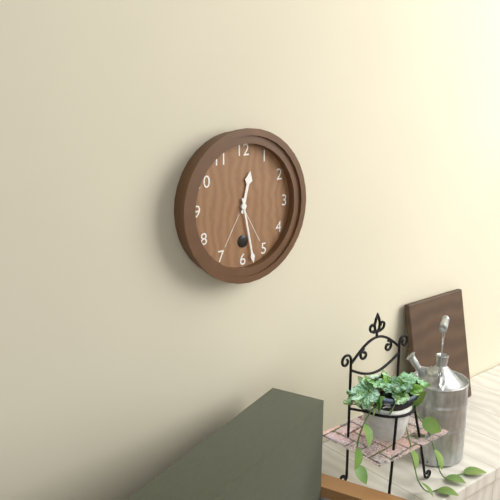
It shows {"hour": 12, "minute": 28}
